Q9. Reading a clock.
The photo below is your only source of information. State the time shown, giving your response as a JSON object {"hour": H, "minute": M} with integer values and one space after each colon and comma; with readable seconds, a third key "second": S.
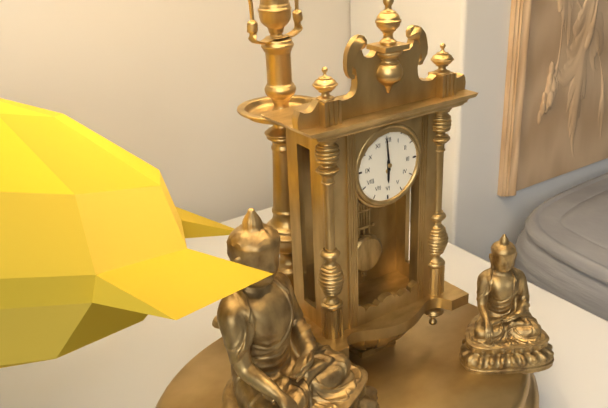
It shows {"hour": 5, "minute": 59}
